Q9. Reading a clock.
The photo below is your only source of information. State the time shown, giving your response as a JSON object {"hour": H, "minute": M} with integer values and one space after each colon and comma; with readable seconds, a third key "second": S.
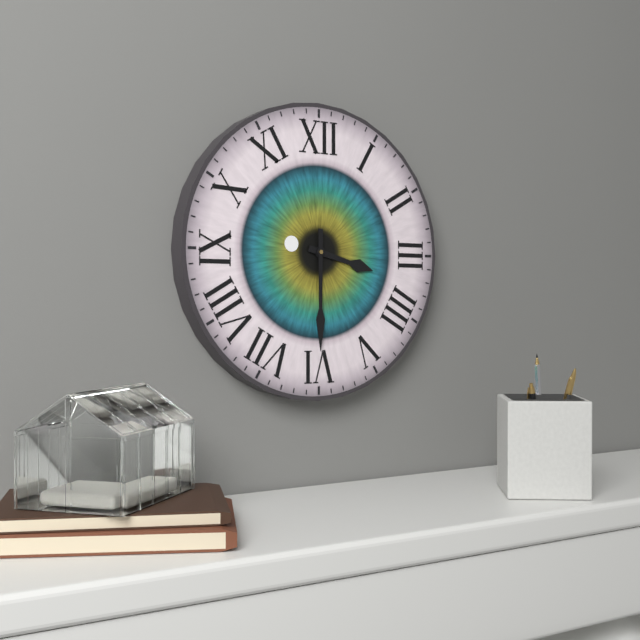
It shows {"hour": 3, "minute": 30}
